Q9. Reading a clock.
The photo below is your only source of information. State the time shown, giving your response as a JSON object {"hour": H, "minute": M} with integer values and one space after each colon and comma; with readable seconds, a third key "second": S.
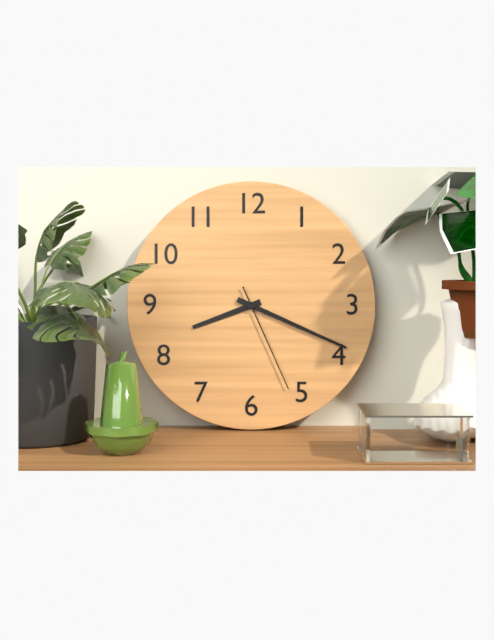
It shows {"hour": 8, "minute": 19, "second": 26}
